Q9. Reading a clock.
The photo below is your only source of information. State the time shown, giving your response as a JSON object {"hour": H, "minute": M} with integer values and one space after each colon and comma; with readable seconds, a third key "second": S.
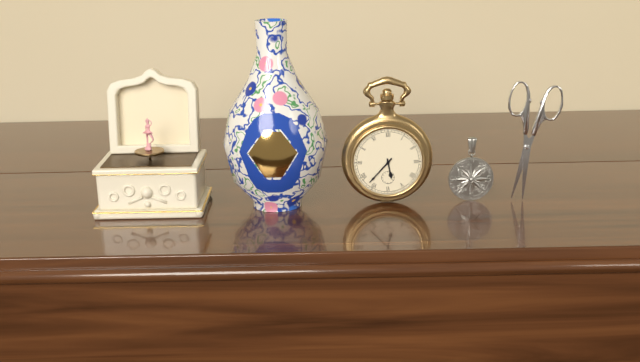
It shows {"hour": 5, "minute": 37}
